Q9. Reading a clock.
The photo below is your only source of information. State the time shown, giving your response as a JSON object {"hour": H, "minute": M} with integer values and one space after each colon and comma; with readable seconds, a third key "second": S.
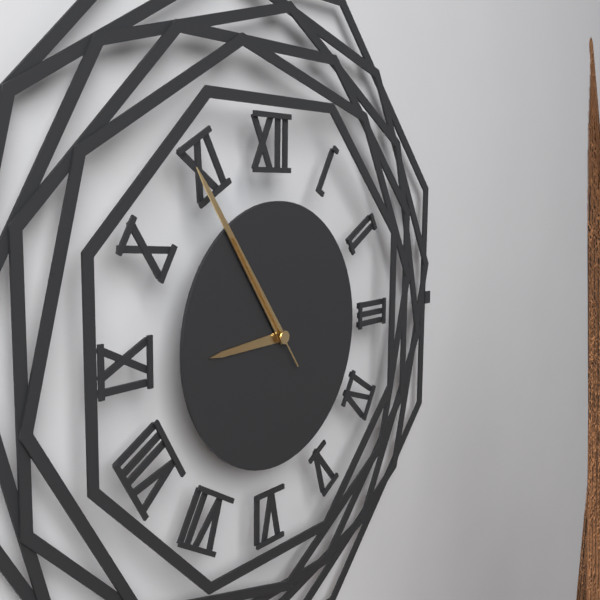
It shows {"hour": 8, "minute": 54, "second": 54}
